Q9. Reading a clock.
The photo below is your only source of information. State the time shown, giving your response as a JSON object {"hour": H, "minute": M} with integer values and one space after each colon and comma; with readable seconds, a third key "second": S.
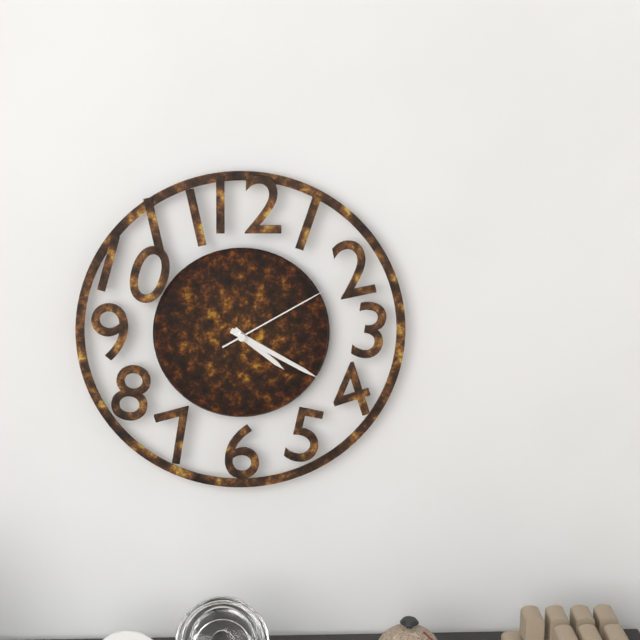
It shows {"hour": 4, "minute": 20, "second": 10}
